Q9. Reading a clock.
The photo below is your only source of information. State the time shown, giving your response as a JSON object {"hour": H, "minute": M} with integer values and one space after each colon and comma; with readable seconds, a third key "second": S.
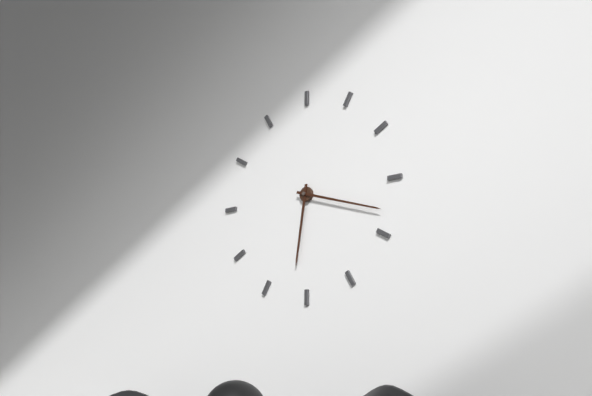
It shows {"hour": 6, "minute": 18}
